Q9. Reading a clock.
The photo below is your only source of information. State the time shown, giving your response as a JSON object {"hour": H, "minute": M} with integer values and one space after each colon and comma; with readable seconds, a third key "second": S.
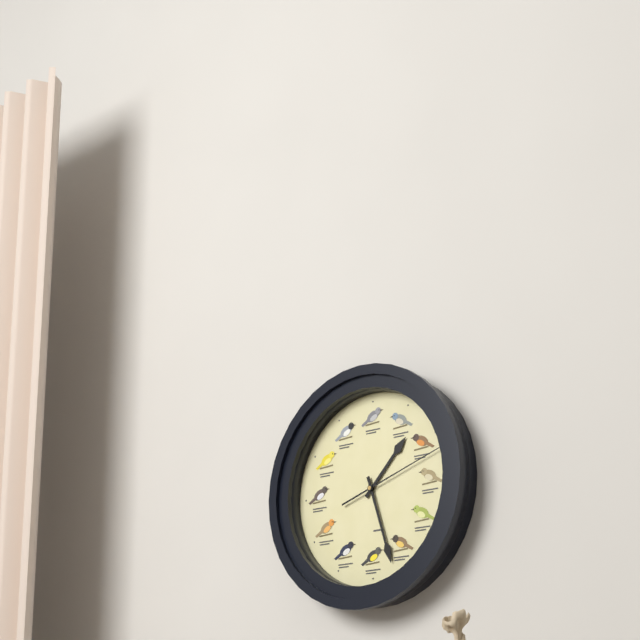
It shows {"hour": 1, "minute": 27, "second": 12}
